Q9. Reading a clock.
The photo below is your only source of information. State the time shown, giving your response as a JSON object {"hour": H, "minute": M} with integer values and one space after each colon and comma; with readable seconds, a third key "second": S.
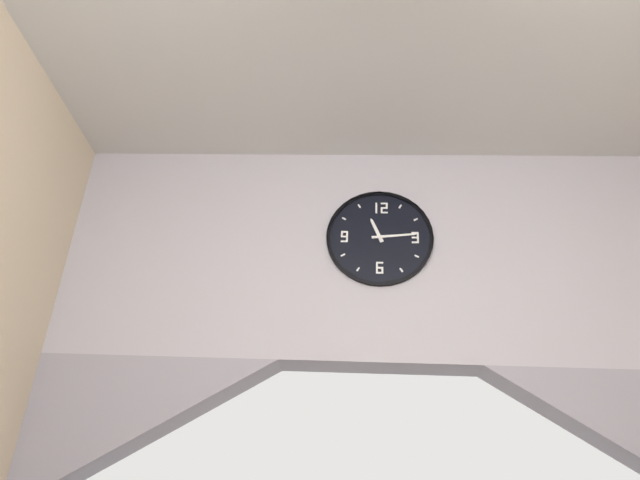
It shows {"hour": 11, "minute": 14}
